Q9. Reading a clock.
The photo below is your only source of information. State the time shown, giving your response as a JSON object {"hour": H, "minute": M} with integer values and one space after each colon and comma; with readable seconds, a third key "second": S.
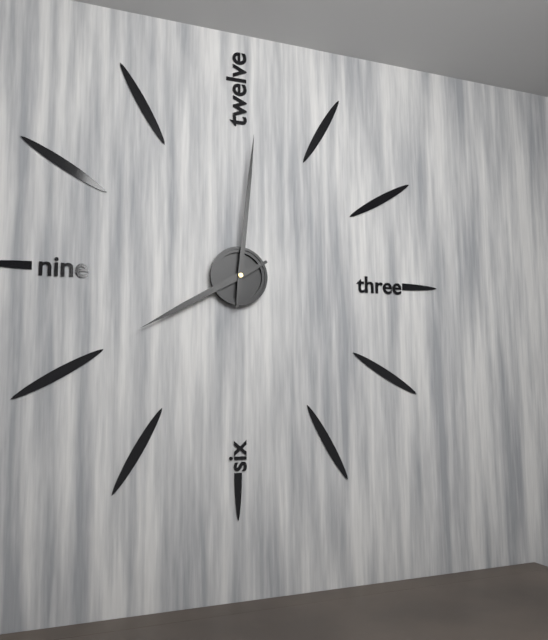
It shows {"hour": 8, "minute": 1}
